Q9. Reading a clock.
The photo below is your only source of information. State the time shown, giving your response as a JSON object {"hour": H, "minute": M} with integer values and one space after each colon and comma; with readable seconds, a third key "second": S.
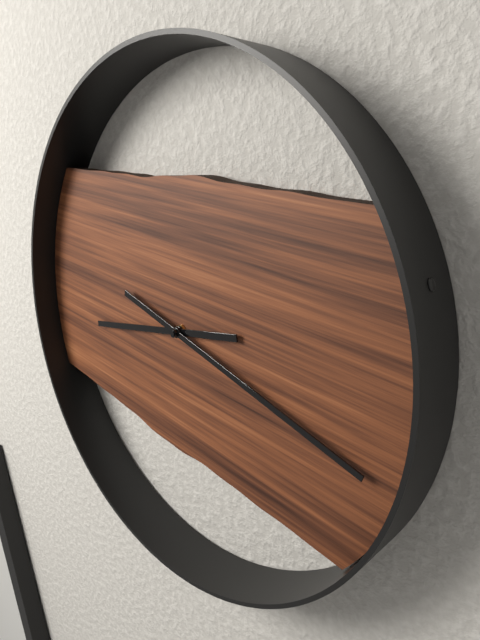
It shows {"hour": 9, "minute": 21}
